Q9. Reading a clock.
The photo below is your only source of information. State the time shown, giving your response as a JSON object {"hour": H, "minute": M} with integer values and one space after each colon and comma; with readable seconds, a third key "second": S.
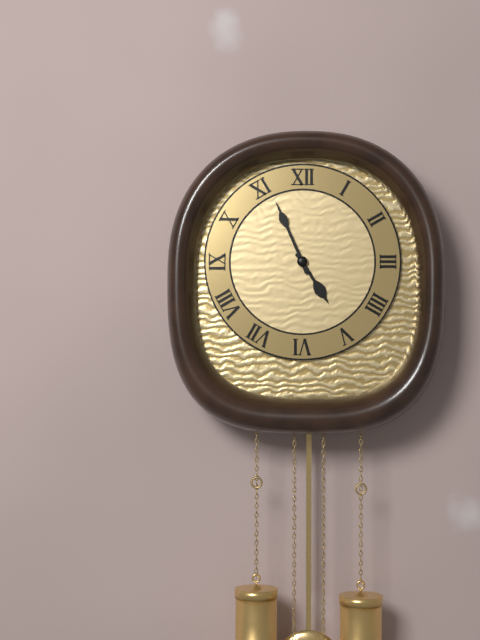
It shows {"hour": 4, "minute": 56}
